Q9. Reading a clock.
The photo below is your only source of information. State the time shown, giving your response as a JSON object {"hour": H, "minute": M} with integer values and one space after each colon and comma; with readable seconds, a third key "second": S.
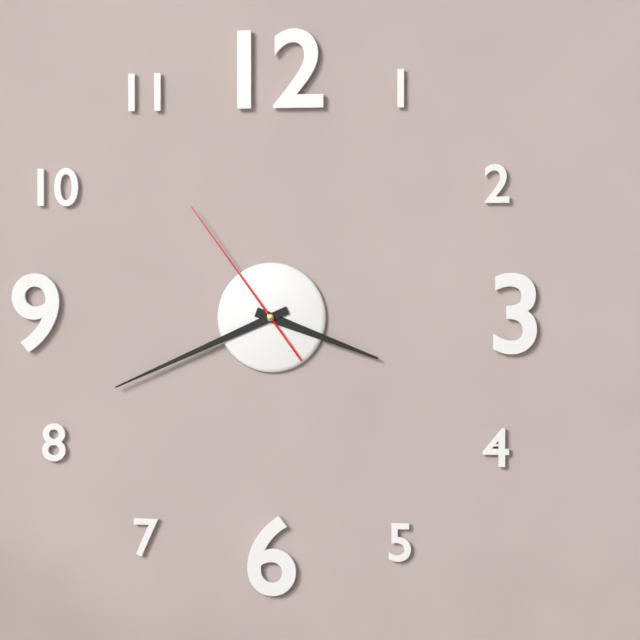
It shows {"hour": 3, "minute": 41, "second": 54}
